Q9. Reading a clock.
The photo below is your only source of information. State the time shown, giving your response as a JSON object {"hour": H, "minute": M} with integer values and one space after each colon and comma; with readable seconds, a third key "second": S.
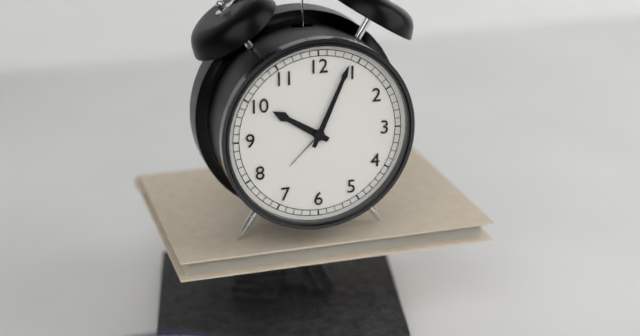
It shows {"hour": 10, "minute": 4}
